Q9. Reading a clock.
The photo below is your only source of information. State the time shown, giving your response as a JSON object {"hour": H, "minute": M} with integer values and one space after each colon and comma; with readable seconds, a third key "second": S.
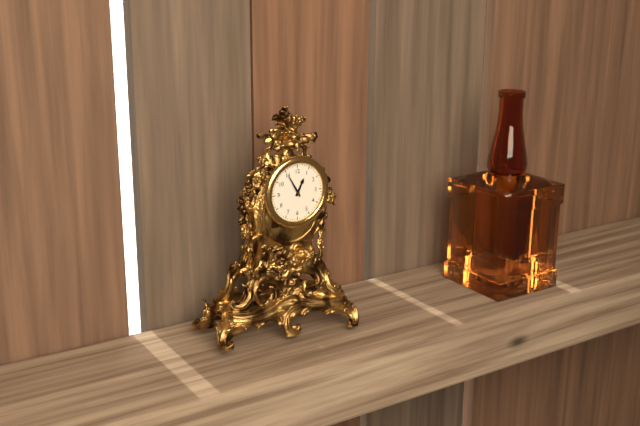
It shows {"hour": 12, "minute": 55}
